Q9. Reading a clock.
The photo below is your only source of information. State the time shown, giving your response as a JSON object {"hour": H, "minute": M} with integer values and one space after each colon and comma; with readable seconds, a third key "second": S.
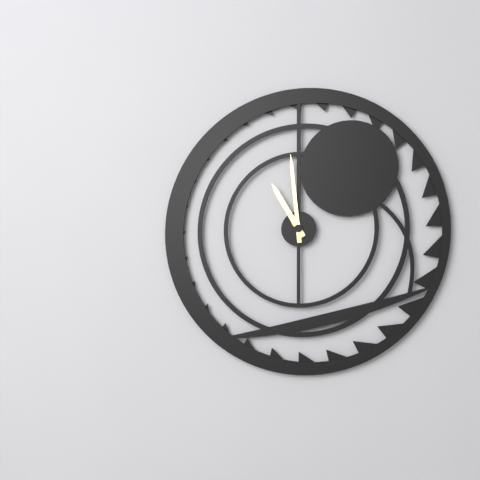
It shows {"hour": 10, "minute": 59}
